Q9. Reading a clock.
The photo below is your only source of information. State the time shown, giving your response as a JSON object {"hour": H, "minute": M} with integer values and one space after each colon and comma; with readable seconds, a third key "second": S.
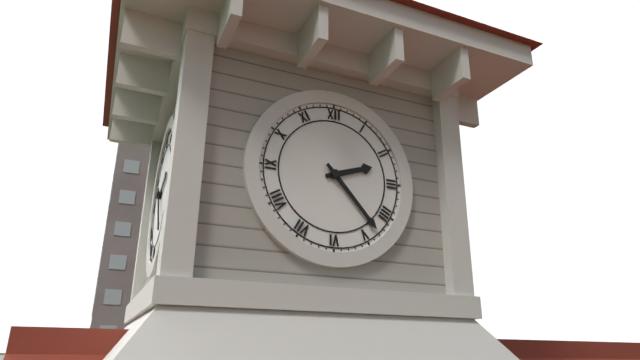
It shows {"hour": 2, "minute": 23}
